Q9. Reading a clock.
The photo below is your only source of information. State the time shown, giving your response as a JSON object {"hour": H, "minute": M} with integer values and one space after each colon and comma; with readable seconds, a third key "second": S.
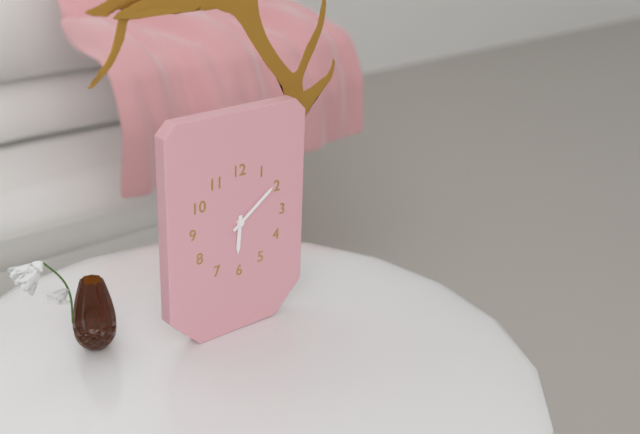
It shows {"hour": 6, "minute": 9}
